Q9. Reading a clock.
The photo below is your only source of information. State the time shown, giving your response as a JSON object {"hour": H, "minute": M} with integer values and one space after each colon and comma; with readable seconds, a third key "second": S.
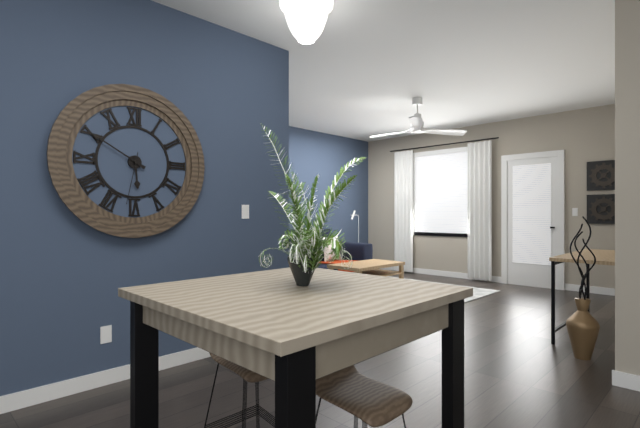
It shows {"hour": 5, "minute": 50, "second": 32}
